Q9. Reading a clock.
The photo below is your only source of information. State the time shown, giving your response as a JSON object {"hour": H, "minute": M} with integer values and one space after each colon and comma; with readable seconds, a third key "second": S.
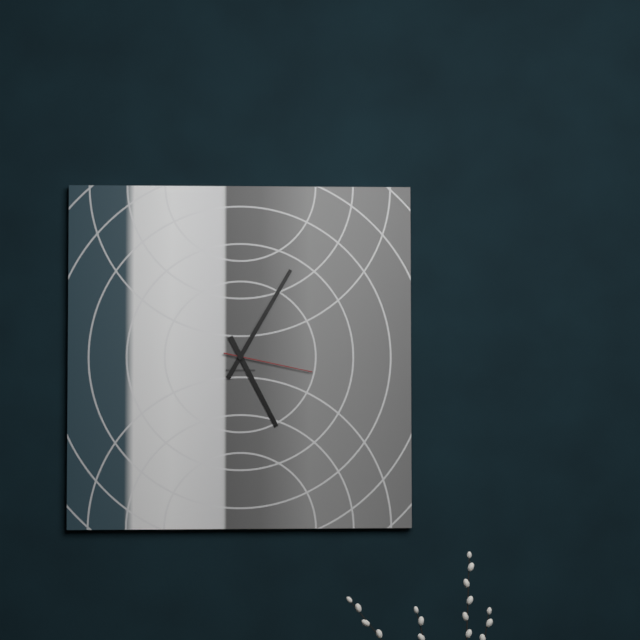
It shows {"hour": 5, "minute": 5, "second": 17}
